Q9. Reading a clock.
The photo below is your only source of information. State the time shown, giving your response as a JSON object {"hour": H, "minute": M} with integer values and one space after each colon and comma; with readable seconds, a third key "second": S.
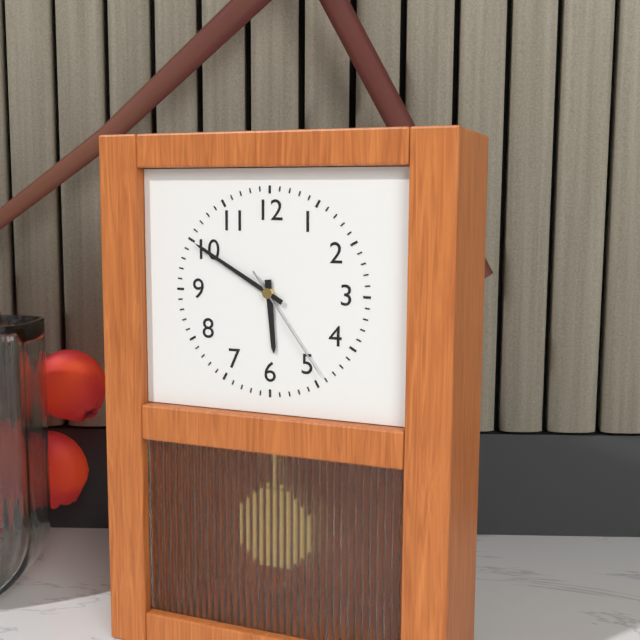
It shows {"hour": 5, "minute": 50, "second": 24}
